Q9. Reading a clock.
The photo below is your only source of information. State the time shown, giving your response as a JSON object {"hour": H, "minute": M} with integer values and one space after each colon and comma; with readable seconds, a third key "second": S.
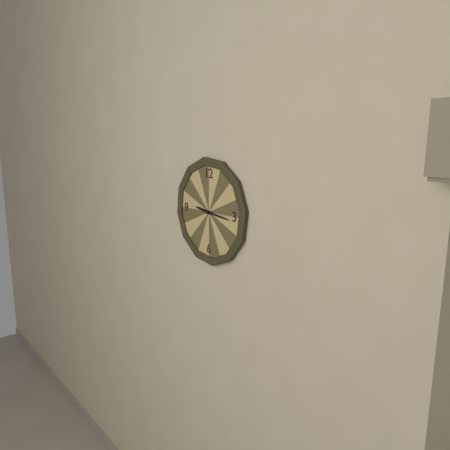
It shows {"hour": 9, "minute": 16}
